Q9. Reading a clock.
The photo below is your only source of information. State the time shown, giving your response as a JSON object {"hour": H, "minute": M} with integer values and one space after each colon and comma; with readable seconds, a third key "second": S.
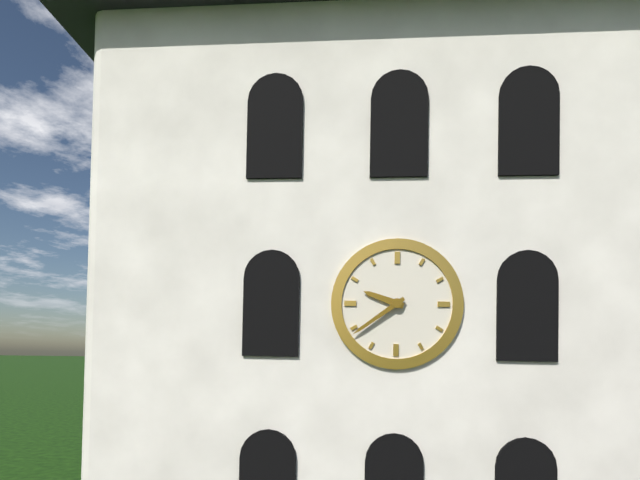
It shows {"hour": 9, "minute": 39}
